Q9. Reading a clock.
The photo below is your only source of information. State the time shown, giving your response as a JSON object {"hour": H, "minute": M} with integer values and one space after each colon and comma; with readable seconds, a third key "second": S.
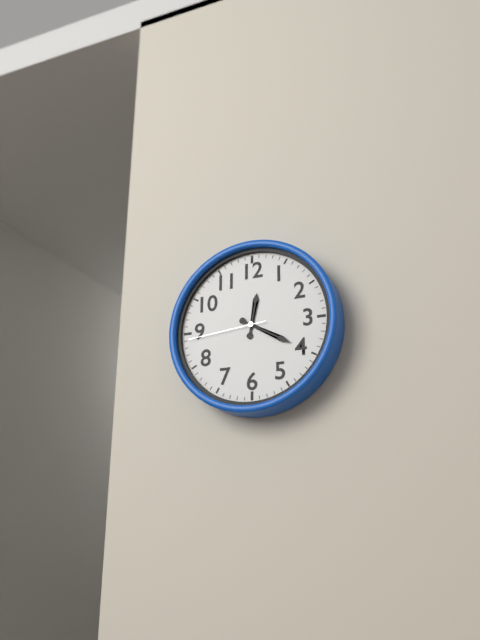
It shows {"hour": 12, "minute": 20, "second": 44}
